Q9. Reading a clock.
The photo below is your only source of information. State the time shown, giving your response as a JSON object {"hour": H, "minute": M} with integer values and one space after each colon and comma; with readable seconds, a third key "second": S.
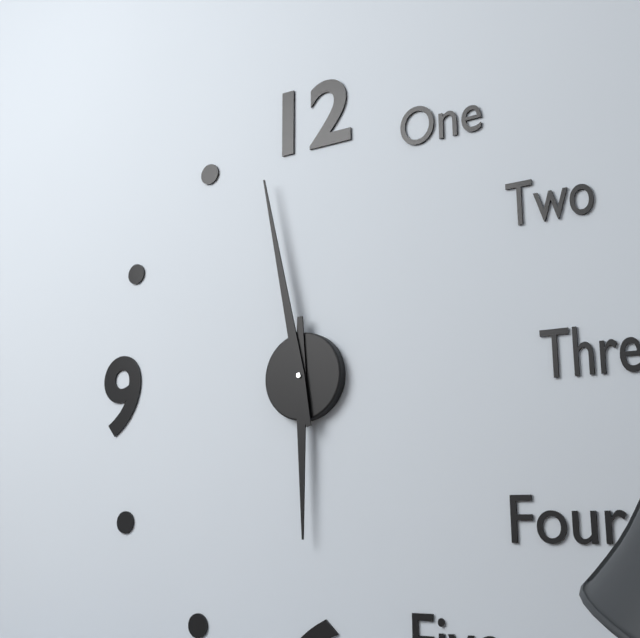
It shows {"hour": 5, "minute": 58}
